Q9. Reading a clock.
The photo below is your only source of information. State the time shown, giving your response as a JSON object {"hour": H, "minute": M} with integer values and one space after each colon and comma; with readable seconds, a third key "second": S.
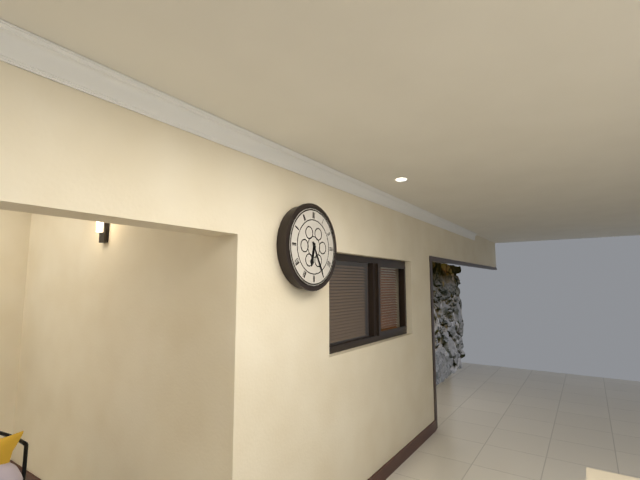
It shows {"hour": 6, "minute": 25}
